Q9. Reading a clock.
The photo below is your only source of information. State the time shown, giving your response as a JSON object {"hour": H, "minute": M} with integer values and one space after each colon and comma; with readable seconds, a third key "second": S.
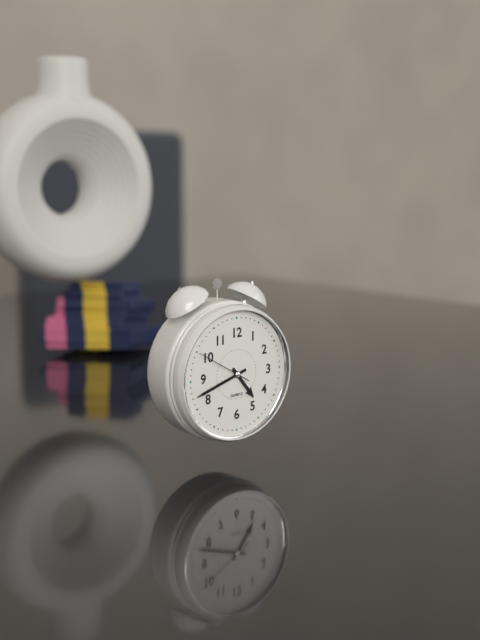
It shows {"hour": 4, "minute": 42, "second": 50}
